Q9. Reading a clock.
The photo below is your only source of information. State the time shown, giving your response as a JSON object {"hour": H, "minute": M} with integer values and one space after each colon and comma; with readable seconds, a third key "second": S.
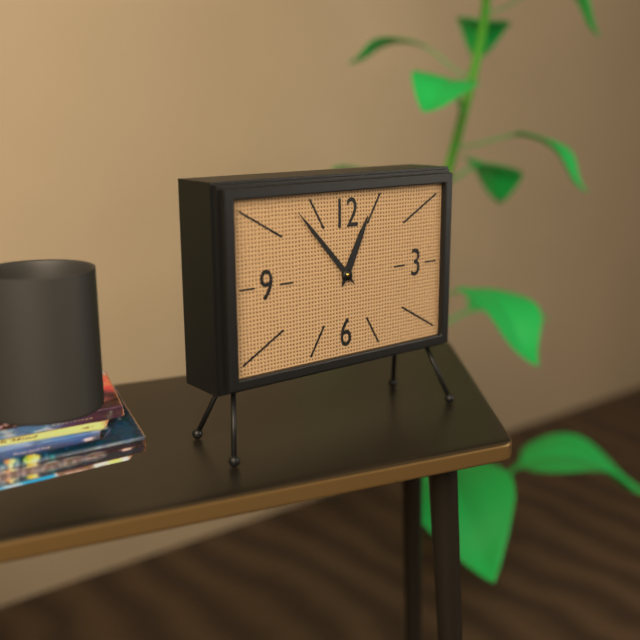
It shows {"hour": 12, "minute": 53}
